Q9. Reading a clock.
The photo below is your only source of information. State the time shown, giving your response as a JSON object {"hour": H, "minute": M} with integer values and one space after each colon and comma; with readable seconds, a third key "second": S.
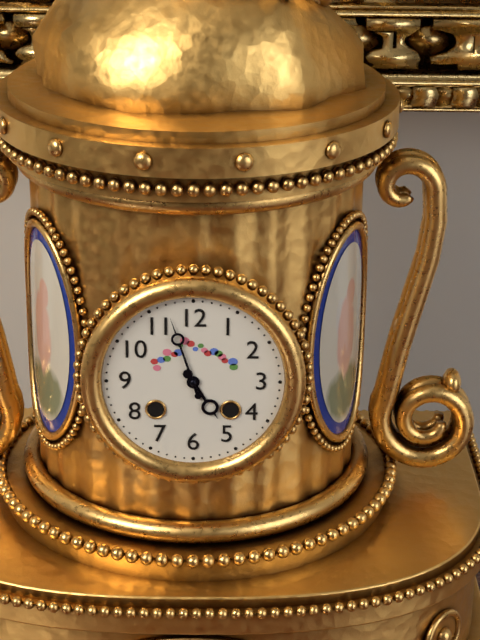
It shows {"hour": 4, "minute": 57}
